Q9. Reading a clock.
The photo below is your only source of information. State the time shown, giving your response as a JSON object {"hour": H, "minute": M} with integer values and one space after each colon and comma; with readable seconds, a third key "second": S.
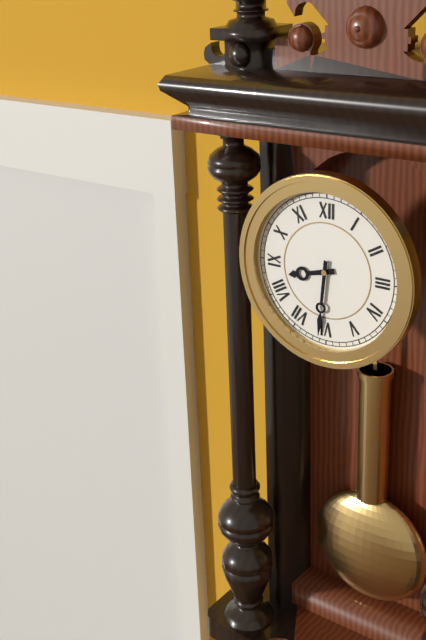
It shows {"hour": 8, "minute": 31}
